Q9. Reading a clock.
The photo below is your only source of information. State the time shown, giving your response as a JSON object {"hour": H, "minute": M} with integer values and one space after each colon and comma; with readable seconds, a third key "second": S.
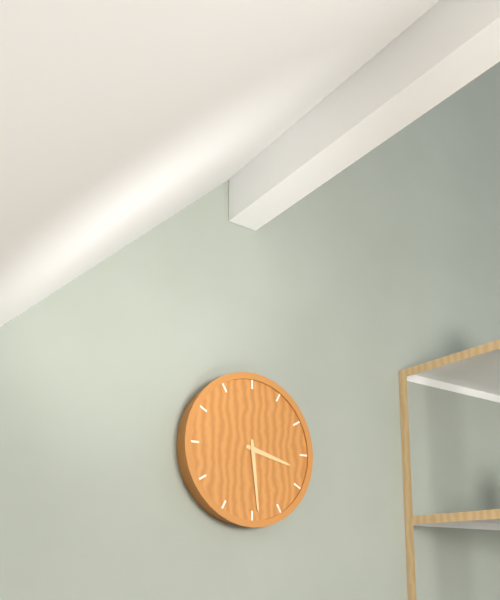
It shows {"hour": 3, "minute": 29}
